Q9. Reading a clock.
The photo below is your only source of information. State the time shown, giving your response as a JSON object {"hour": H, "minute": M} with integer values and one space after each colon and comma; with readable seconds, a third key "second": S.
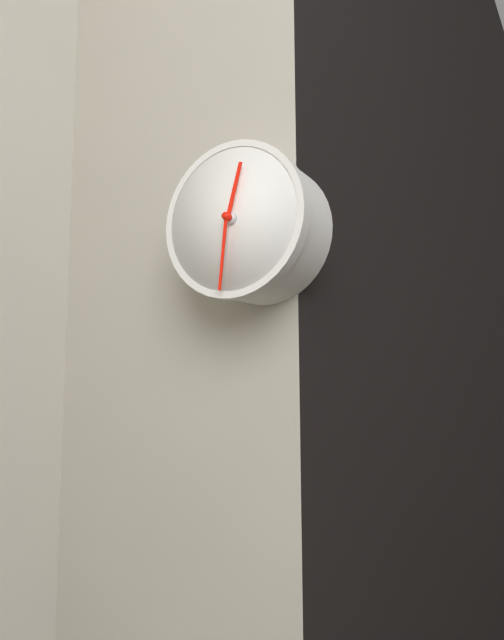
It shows {"hour": 12, "minute": 31}
